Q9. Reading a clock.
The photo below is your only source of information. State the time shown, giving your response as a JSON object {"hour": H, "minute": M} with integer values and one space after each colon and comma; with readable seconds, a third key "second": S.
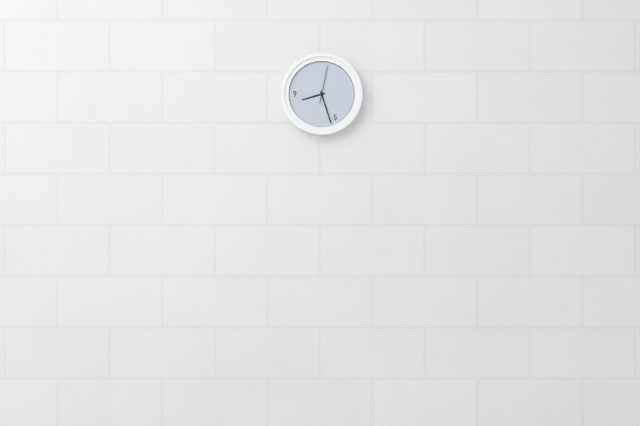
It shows {"hour": 8, "minute": 27}
